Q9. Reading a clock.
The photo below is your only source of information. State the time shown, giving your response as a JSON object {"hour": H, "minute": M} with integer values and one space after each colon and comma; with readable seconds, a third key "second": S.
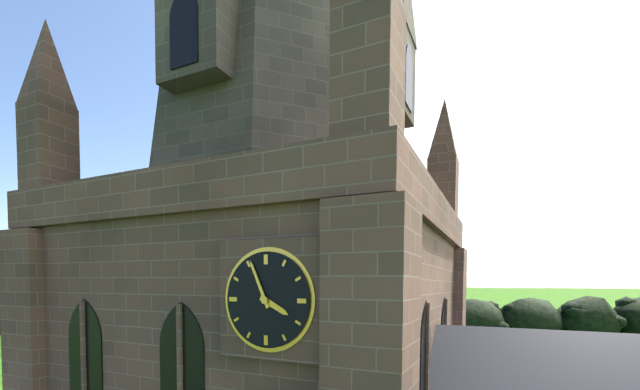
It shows {"hour": 3, "minute": 56}
